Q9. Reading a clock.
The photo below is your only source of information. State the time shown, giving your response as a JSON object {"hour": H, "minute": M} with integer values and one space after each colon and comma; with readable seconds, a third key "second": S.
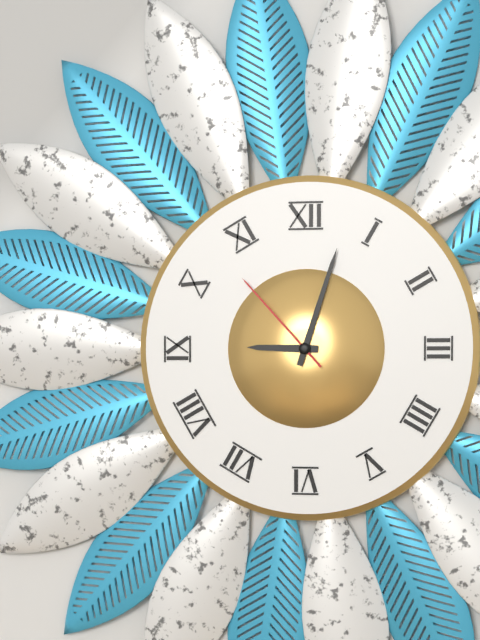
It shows {"hour": 9, "minute": 3, "second": 53}
